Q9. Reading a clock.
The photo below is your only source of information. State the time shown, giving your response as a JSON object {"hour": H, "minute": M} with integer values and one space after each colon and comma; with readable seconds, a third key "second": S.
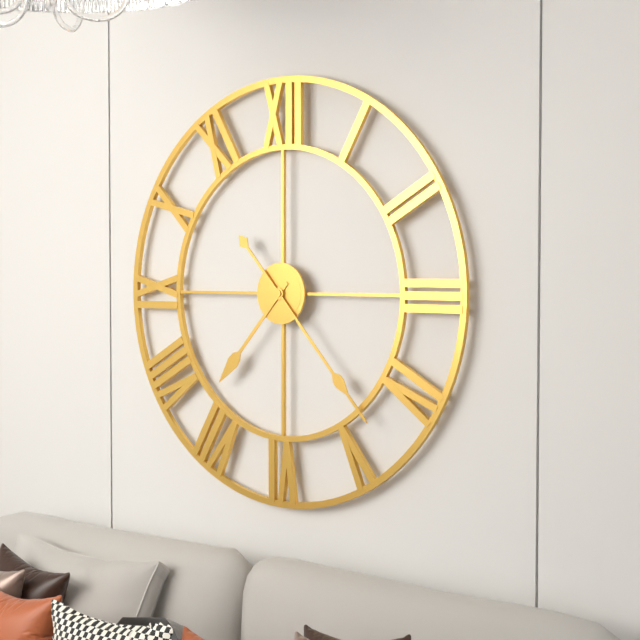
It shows {"hour": 7, "minute": 23}
